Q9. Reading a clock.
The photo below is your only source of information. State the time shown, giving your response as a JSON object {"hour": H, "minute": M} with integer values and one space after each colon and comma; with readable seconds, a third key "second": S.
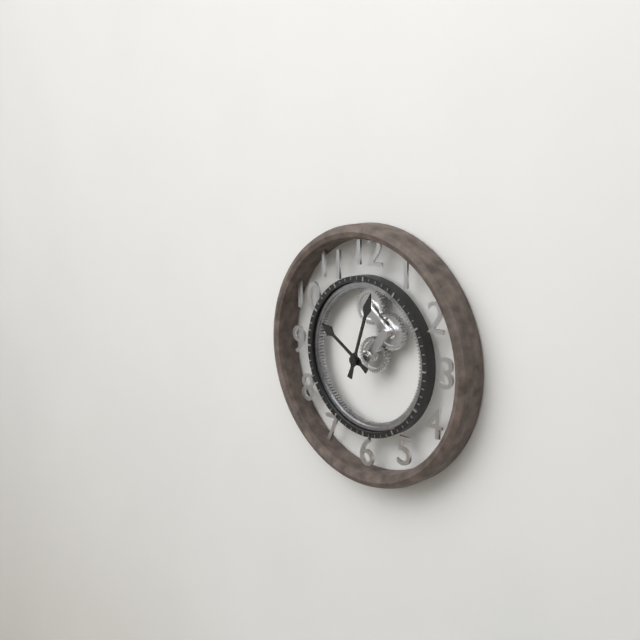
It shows {"hour": 10, "minute": 3}
